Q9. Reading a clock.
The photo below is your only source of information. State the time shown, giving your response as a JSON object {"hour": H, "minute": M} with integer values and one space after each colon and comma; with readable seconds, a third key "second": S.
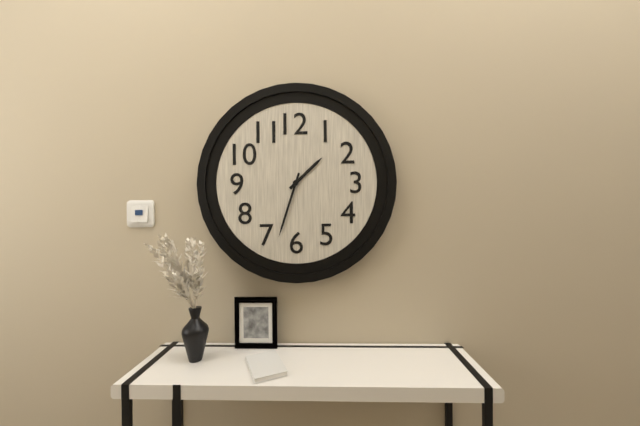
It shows {"hour": 1, "minute": 33}
